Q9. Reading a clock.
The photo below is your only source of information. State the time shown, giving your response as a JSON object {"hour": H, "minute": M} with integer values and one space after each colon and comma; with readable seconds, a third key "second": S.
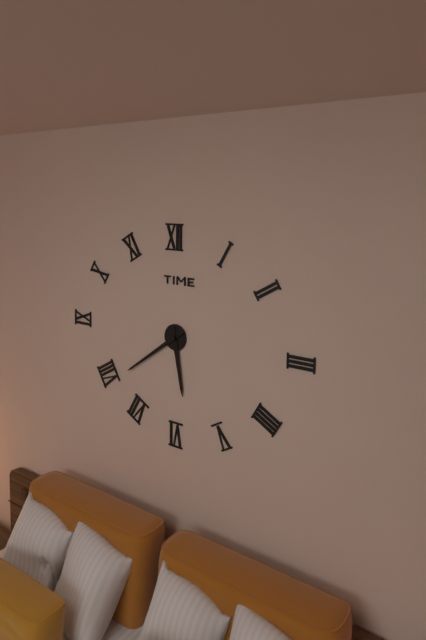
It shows {"hour": 5, "minute": 39}
